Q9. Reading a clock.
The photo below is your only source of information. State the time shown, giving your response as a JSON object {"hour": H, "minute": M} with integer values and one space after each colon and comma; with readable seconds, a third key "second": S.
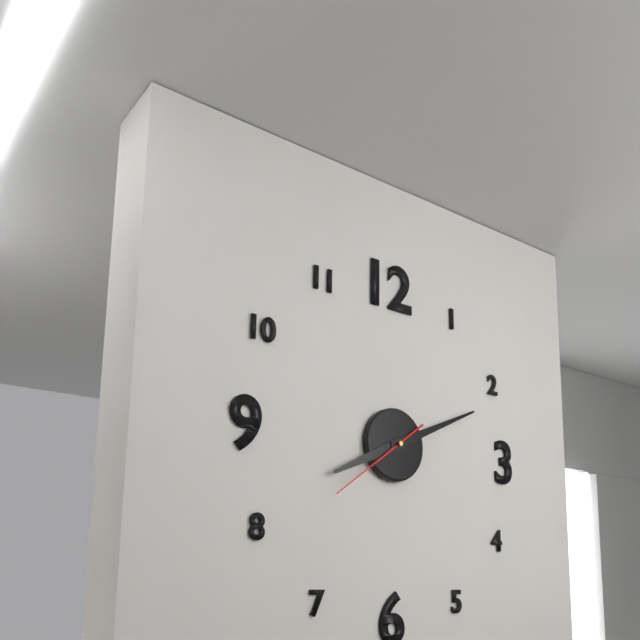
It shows {"hour": 8, "minute": 11, "second": 39}
